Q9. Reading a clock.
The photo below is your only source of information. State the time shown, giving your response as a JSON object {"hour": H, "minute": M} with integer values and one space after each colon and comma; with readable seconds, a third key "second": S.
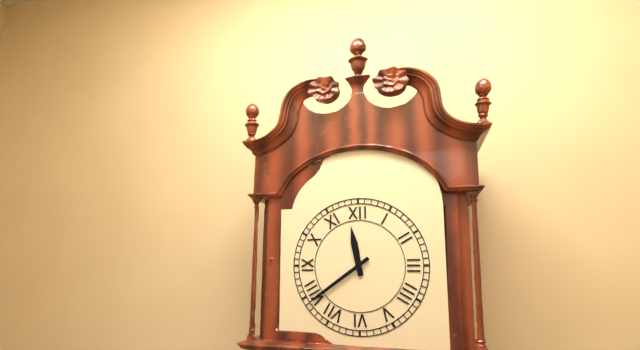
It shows {"hour": 11, "minute": 39}
